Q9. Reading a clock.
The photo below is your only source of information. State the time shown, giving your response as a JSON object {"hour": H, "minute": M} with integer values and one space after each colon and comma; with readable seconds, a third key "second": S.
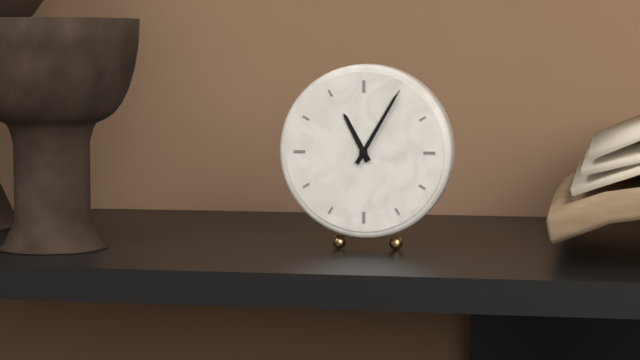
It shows {"hour": 11, "minute": 5}
